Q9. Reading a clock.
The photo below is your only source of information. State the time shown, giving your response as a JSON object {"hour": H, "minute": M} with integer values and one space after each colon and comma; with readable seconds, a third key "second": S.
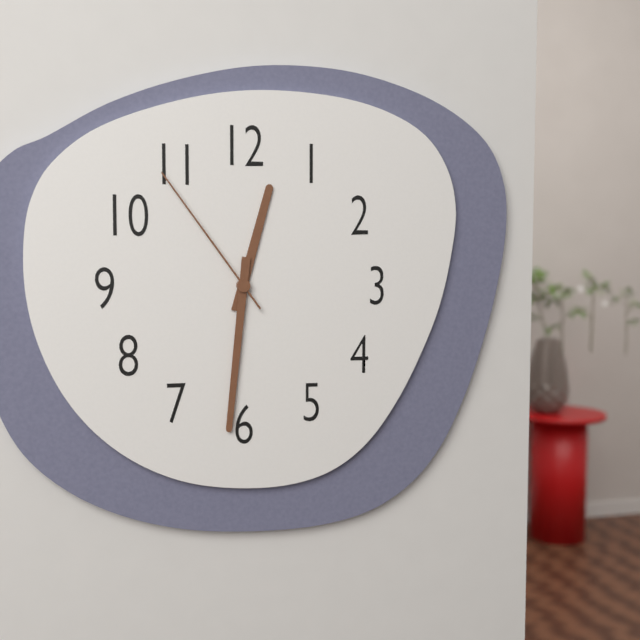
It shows {"hour": 12, "minute": 31, "second": 54}
